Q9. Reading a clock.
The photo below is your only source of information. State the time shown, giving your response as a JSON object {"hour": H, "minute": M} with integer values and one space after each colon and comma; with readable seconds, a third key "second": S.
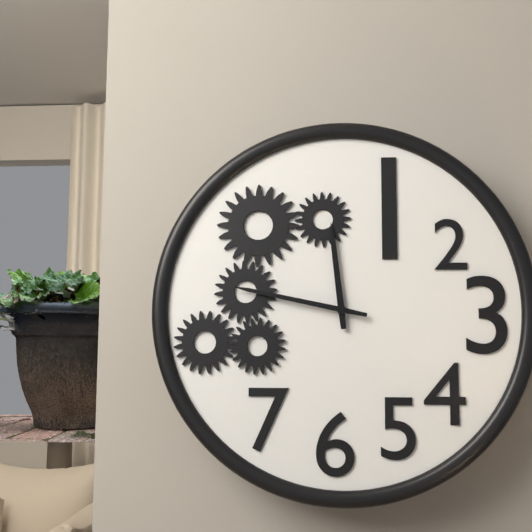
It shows {"hour": 11, "minute": 47}
